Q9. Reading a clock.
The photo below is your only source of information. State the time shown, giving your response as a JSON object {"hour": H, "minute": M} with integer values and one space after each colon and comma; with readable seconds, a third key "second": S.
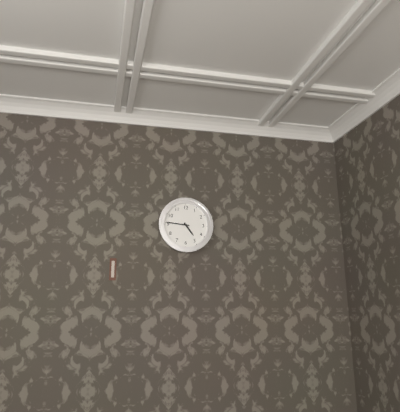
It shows {"hour": 4, "minute": 46}
